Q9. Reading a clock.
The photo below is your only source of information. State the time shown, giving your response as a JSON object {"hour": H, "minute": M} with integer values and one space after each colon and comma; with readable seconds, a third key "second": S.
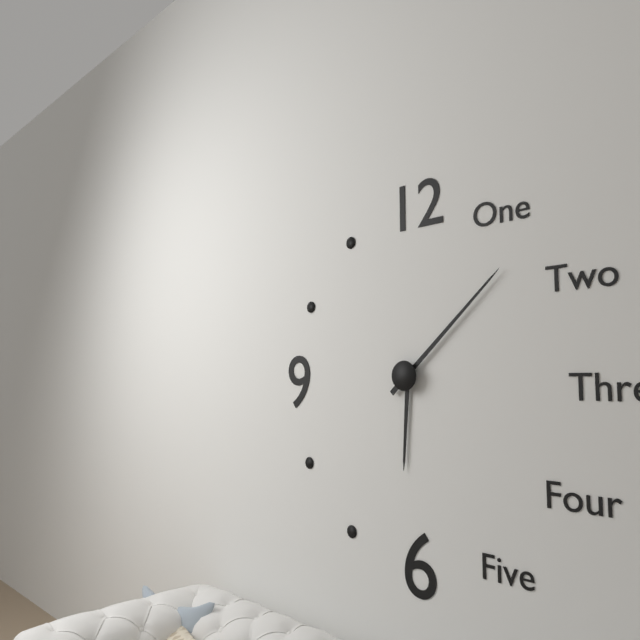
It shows {"hour": 6, "minute": 8}
